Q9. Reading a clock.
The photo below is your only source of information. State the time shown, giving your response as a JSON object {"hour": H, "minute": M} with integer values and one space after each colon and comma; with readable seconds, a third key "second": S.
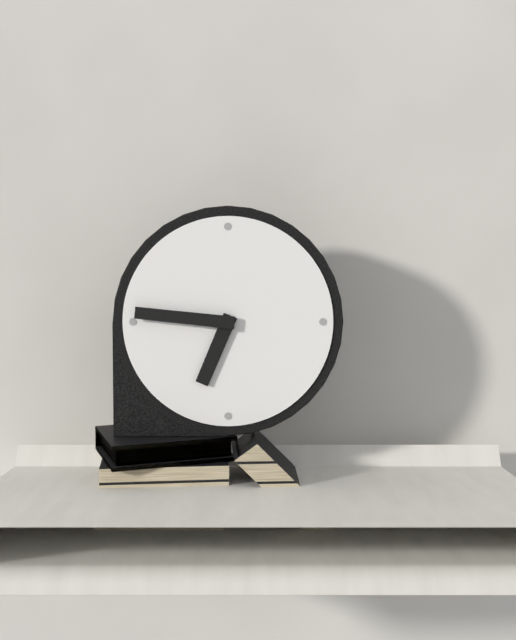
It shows {"hour": 6, "minute": 46}
